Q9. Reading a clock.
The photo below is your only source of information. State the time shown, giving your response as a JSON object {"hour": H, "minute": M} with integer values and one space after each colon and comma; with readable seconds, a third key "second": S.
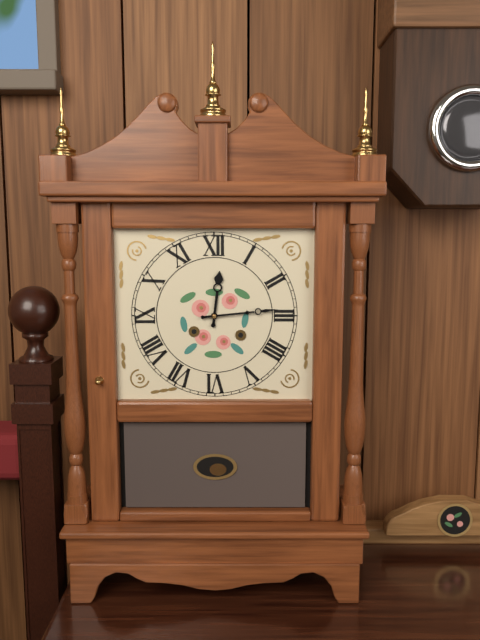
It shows {"hour": 12, "minute": 14}
